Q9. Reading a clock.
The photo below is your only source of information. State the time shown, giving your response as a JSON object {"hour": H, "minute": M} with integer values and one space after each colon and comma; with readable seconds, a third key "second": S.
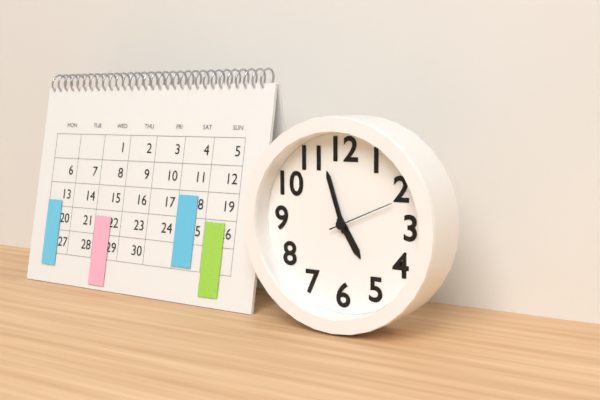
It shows {"hour": 4, "minute": 57, "second": 11}
